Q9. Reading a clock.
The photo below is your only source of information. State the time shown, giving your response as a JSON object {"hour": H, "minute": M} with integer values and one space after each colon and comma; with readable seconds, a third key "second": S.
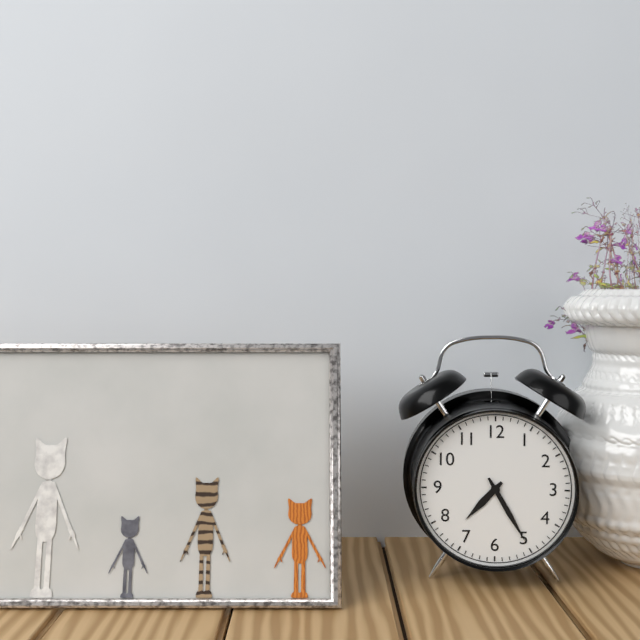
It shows {"hour": 7, "minute": 25}
